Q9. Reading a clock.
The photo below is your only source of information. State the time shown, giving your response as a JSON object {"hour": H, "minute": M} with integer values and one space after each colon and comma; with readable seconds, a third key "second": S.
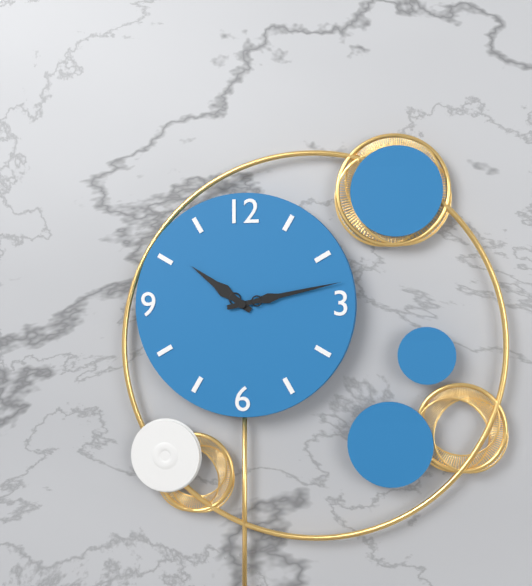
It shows {"hour": 10, "minute": 13}
